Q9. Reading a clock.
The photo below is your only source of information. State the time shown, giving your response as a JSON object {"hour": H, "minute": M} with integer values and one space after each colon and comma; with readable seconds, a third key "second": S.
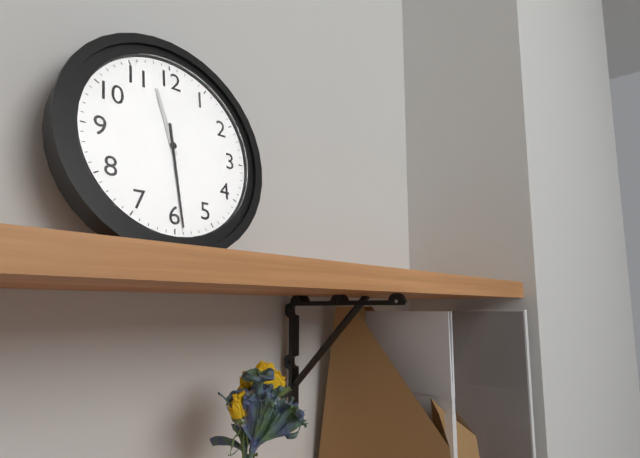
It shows {"hour": 11, "minute": 29}
